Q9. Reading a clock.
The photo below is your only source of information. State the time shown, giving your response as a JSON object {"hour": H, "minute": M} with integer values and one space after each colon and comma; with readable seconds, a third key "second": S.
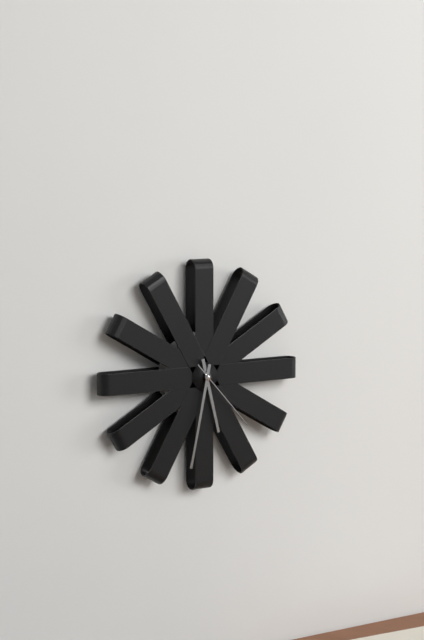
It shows {"hour": 5, "minute": 32, "second": 23}
